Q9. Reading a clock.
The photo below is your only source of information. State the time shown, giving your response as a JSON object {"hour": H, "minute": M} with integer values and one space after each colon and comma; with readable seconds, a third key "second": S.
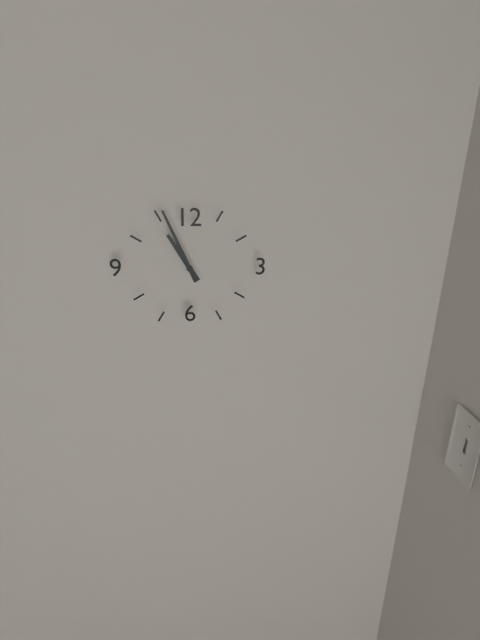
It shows {"hour": 10, "minute": 56}
